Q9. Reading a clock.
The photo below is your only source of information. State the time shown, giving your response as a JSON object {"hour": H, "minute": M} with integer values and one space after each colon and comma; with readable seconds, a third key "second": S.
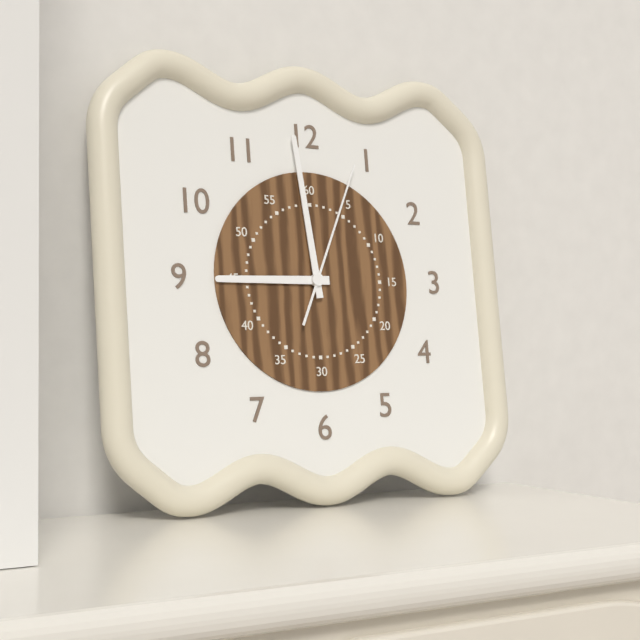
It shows {"hour": 8, "minute": 59, "second": 4}
